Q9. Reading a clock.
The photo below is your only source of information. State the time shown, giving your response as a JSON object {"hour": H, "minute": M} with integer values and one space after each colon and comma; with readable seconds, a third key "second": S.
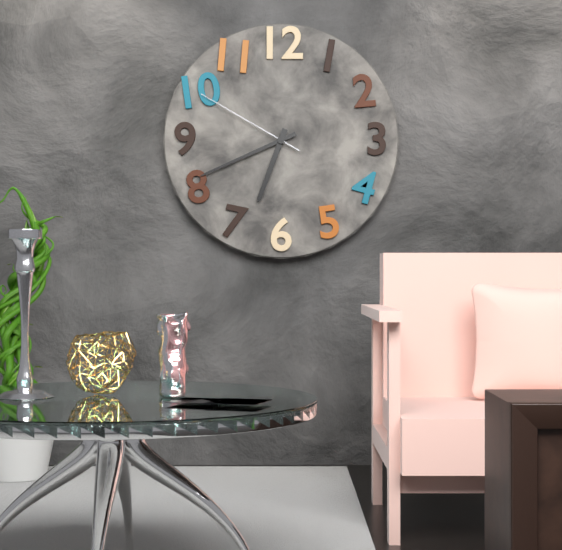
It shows {"hour": 6, "minute": 41, "second": 50}
